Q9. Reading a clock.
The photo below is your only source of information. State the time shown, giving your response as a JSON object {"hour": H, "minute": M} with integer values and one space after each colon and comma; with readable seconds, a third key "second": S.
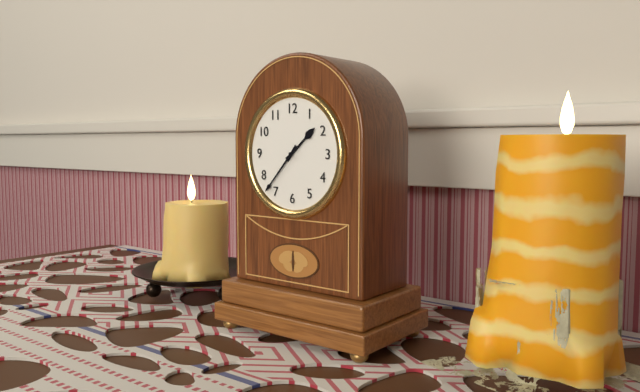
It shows {"hour": 1, "minute": 37}
